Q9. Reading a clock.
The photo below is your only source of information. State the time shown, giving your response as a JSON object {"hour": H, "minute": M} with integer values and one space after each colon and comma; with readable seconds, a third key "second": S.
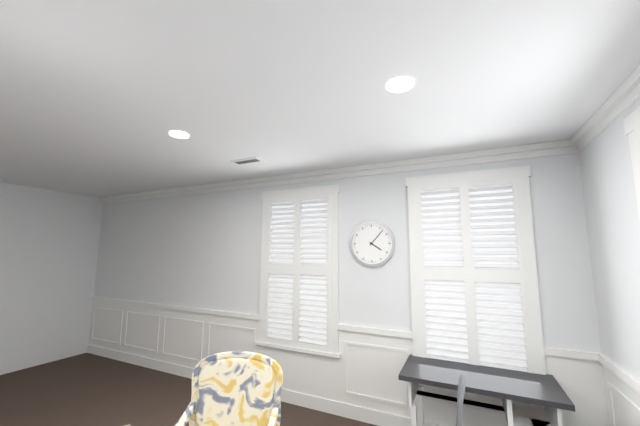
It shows {"hour": 4, "minute": 7}
